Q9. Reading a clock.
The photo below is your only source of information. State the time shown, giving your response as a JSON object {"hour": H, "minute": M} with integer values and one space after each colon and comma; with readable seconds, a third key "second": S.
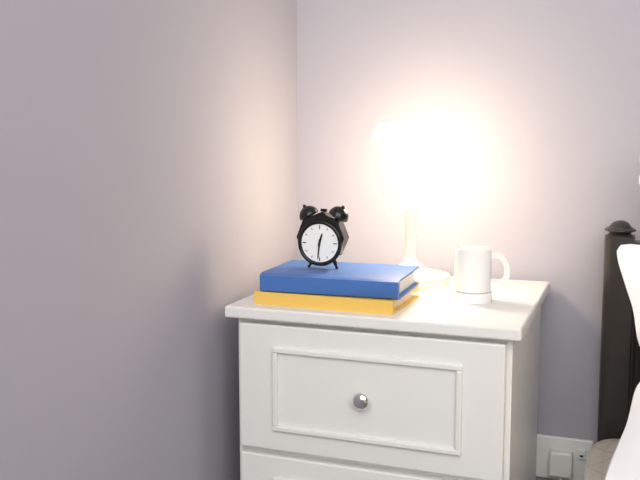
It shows {"hour": 12, "minute": 31}
